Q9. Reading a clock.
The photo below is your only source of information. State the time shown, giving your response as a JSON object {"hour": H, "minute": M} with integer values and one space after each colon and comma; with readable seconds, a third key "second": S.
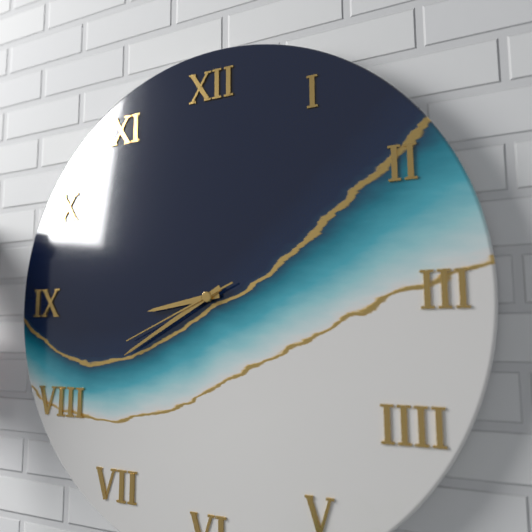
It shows {"hour": 8, "minute": 40, "second": 41}
